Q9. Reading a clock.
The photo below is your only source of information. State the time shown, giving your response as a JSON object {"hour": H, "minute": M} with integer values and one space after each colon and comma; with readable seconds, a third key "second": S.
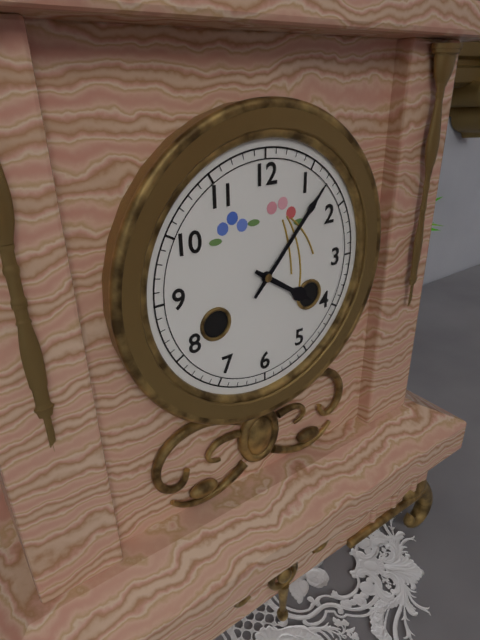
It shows {"hour": 4, "minute": 7}
